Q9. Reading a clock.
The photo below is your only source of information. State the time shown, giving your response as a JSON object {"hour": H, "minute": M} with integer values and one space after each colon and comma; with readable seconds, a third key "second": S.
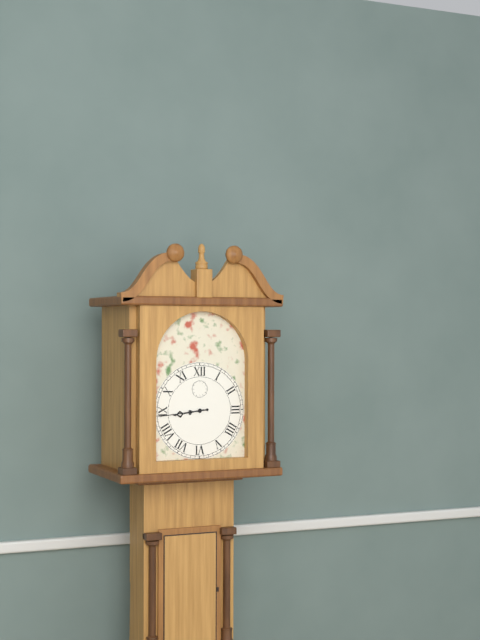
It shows {"hour": 8, "minute": 44}
